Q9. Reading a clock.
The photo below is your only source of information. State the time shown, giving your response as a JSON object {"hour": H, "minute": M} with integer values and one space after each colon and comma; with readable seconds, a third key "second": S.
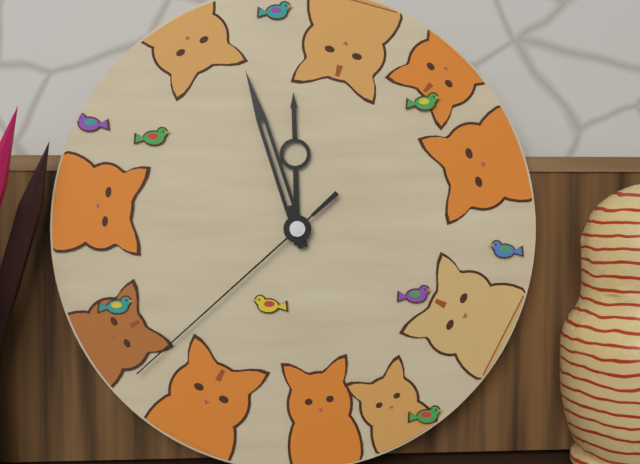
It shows {"hour": 11, "minute": 57, "second": 38}
